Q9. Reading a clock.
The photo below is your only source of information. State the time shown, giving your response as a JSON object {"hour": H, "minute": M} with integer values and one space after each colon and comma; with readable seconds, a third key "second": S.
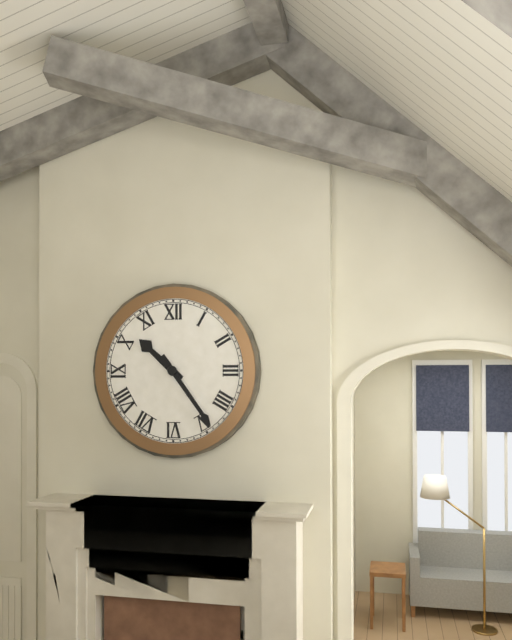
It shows {"hour": 10, "minute": 24}
